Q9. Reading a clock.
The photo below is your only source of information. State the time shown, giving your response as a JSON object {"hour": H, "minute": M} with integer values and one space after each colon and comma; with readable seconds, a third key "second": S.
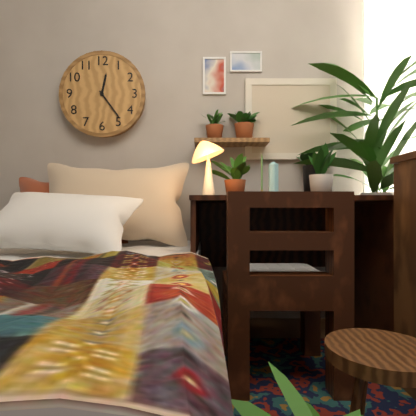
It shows {"hour": 12, "minute": 24}
